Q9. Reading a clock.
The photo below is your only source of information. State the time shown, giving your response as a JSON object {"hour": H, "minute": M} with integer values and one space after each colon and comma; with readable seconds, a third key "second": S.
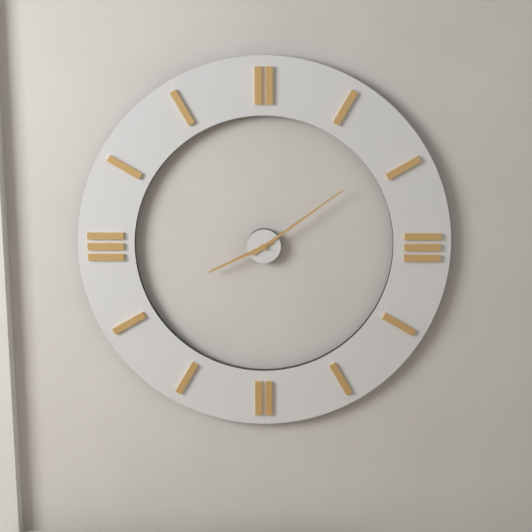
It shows {"hour": 8, "minute": 9}
